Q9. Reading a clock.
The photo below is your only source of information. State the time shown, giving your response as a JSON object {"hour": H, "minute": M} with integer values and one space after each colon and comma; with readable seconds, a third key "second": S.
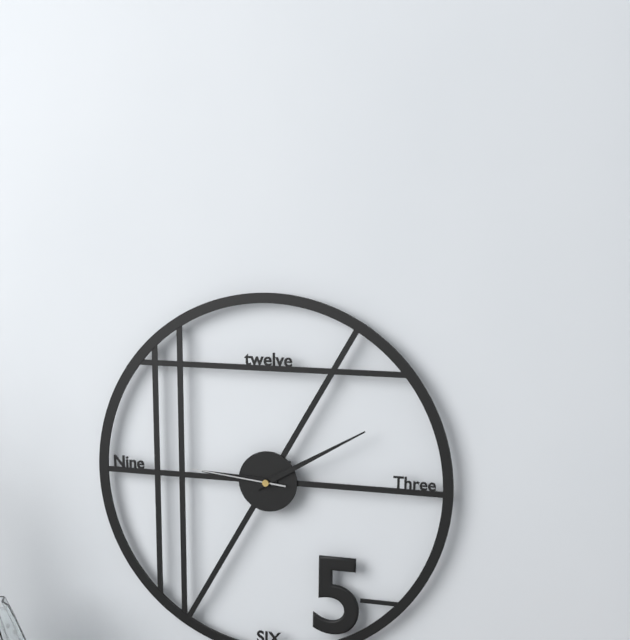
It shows {"hour": 9, "minute": 10, "second": 46}
